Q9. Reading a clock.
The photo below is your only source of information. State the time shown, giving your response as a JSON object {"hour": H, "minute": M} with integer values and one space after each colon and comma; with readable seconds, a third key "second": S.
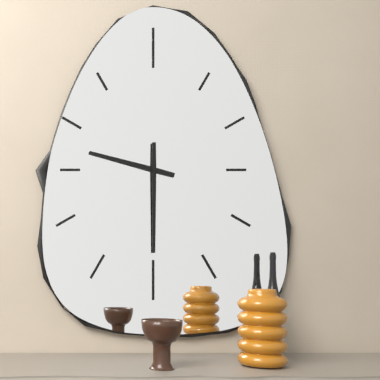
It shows {"hour": 9, "minute": 30}
